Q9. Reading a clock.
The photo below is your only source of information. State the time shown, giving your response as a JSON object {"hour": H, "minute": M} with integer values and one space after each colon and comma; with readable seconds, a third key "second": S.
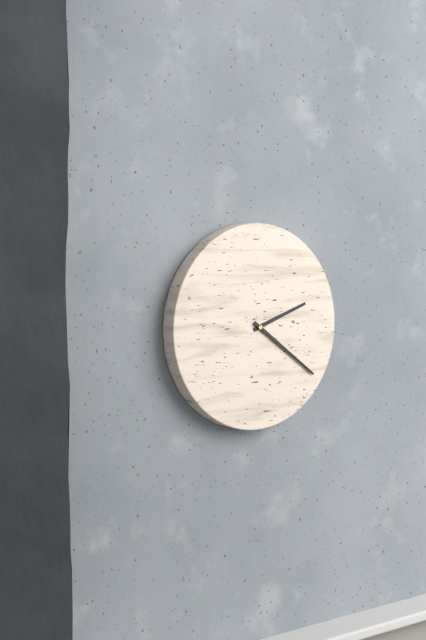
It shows {"hour": 2, "minute": 21}
